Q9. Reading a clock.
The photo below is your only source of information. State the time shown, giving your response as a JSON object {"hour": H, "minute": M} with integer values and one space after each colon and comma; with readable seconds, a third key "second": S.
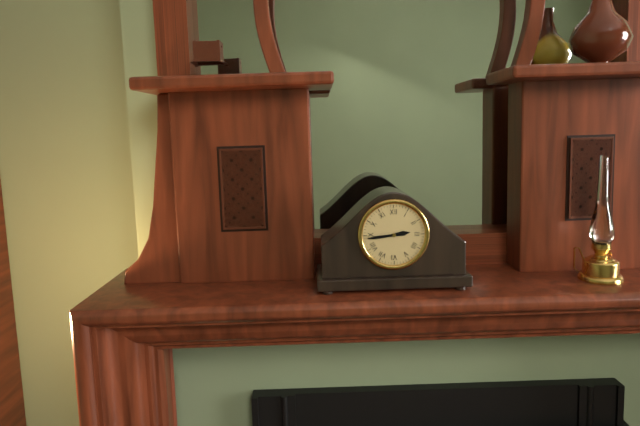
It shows {"hour": 2, "minute": 44}
